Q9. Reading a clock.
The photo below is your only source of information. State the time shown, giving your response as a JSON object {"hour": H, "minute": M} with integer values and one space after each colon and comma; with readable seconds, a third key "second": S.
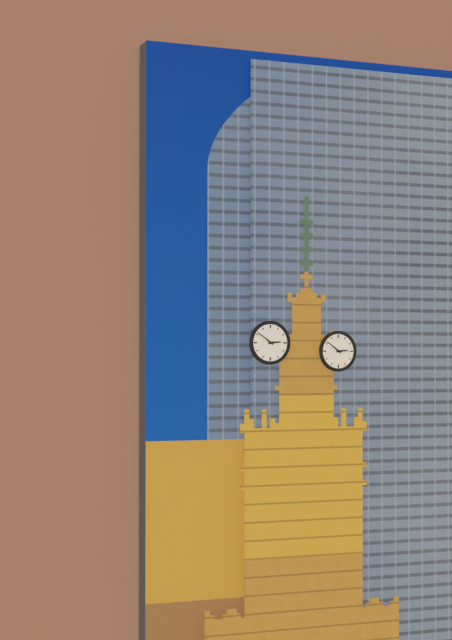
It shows {"hour": 2, "minute": 51}
